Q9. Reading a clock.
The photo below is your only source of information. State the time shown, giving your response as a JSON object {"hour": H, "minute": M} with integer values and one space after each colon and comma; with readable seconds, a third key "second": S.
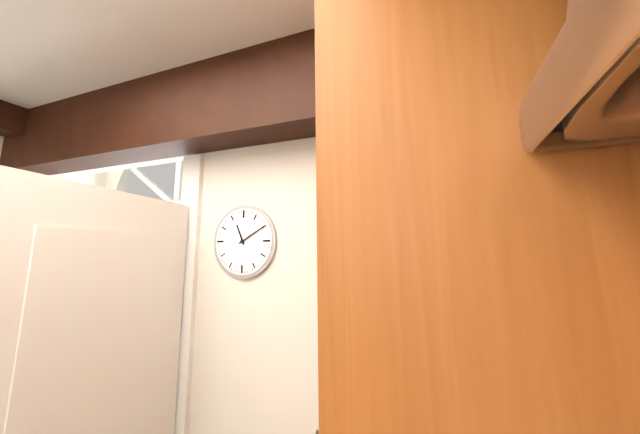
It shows {"hour": 11, "minute": 10}
